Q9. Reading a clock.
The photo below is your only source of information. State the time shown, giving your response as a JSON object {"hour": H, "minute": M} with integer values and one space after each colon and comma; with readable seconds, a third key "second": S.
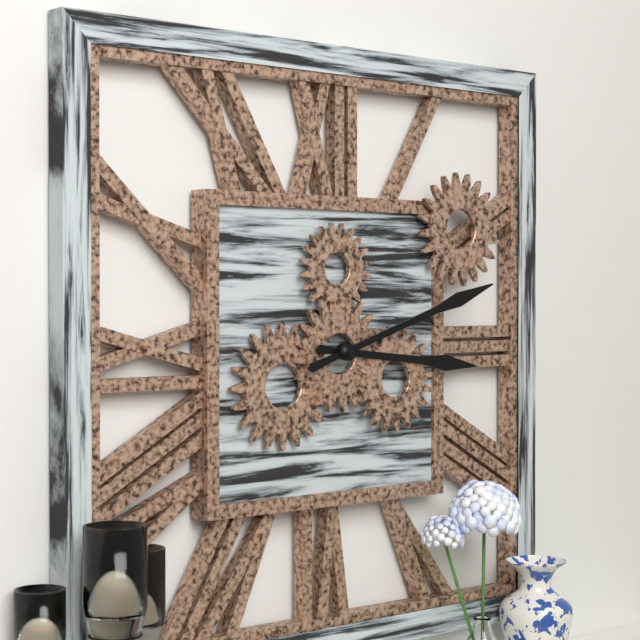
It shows {"hour": 3, "minute": 12}
